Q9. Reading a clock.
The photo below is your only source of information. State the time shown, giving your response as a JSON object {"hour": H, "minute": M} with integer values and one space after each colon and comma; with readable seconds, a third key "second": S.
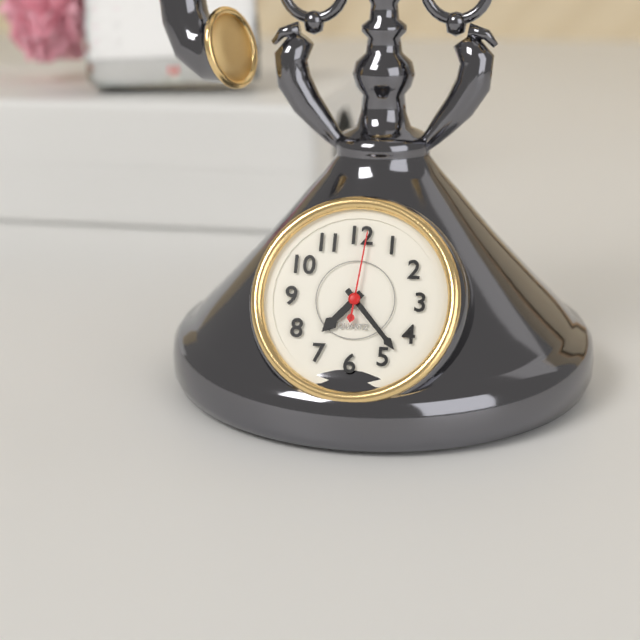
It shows {"hour": 7, "minute": 23, "second": 1}
